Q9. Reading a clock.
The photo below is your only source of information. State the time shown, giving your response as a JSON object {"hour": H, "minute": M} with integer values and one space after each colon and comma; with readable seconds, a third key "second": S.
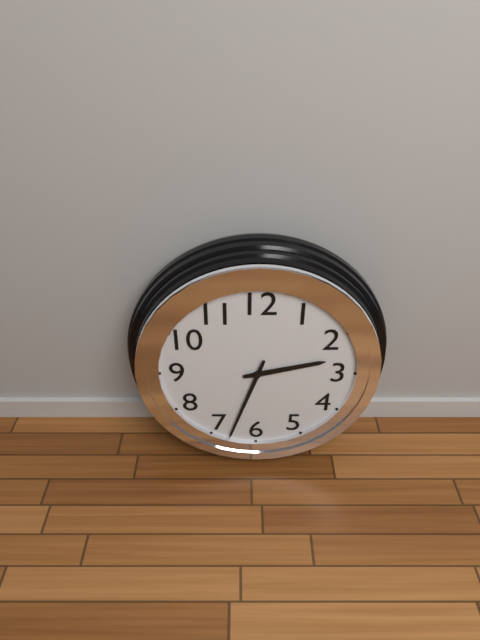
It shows {"hour": 2, "minute": 33}
